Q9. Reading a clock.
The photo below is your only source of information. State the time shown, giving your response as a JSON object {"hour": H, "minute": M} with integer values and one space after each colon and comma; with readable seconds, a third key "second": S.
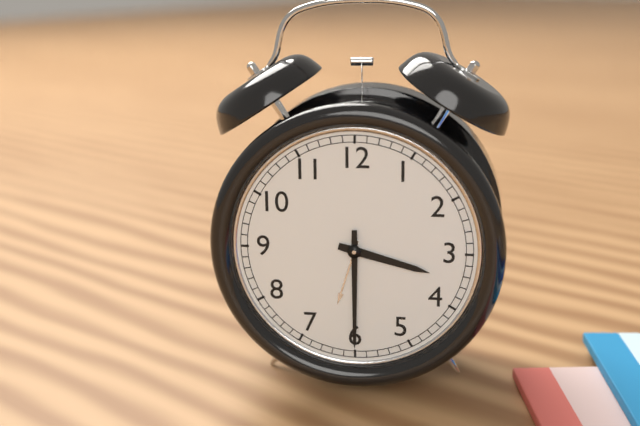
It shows {"hour": 3, "minute": 30}
